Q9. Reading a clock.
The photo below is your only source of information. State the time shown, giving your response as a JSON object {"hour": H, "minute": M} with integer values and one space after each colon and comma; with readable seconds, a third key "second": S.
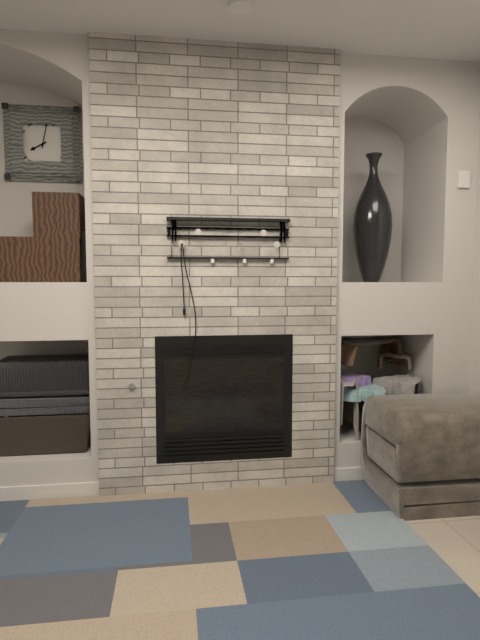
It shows {"hour": 8, "minute": 2}
